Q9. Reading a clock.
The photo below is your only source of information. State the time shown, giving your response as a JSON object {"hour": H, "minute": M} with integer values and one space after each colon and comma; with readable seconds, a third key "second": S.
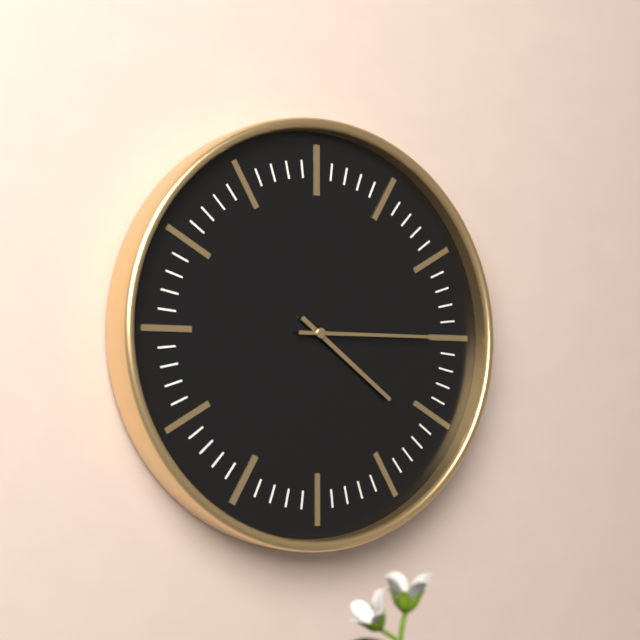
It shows {"hour": 4, "minute": 15}
